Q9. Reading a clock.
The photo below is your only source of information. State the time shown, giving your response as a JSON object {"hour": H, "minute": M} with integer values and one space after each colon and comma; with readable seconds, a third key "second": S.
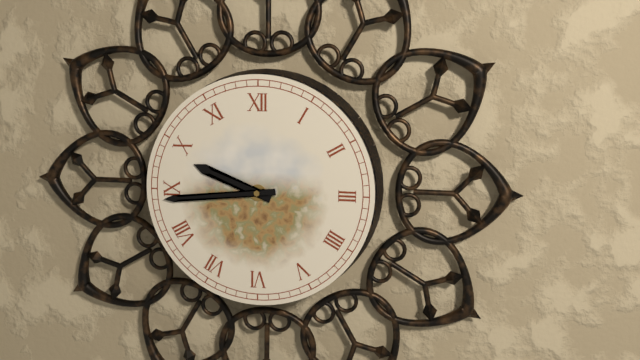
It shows {"hour": 9, "minute": 44}
